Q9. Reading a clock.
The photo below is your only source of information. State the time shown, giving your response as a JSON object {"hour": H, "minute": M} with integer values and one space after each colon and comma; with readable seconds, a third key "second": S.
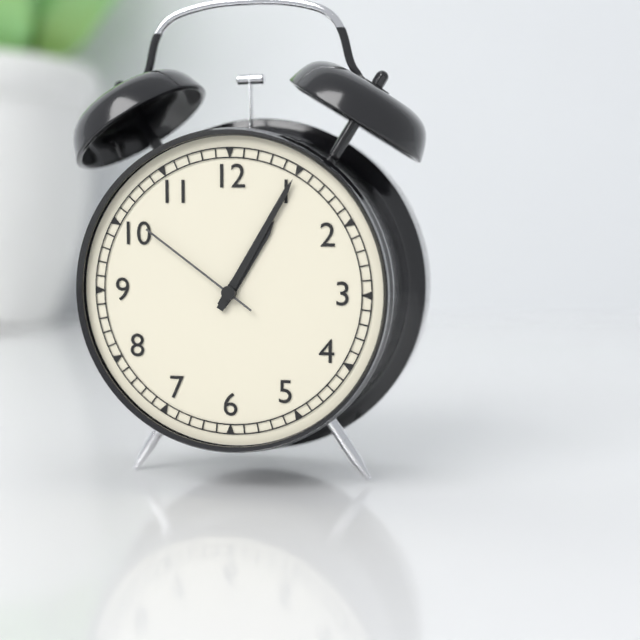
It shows {"hour": 1, "minute": 5, "second": 51}
